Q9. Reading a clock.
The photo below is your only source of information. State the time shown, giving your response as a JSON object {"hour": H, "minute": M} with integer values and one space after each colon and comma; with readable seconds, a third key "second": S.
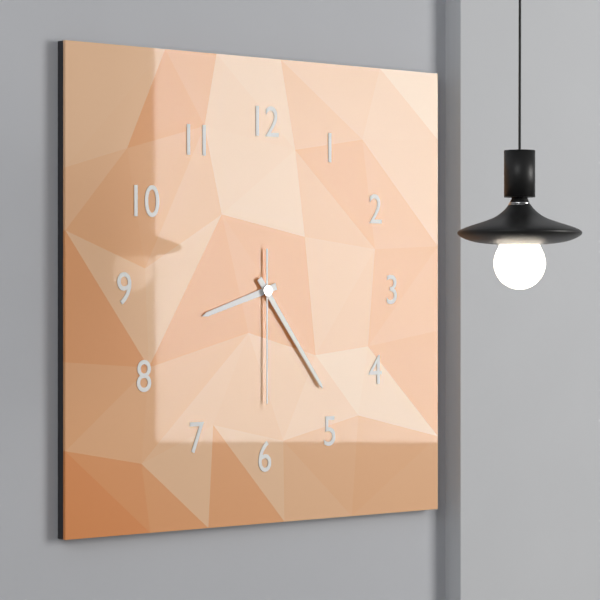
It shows {"hour": 8, "minute": 24, "second": 30}
